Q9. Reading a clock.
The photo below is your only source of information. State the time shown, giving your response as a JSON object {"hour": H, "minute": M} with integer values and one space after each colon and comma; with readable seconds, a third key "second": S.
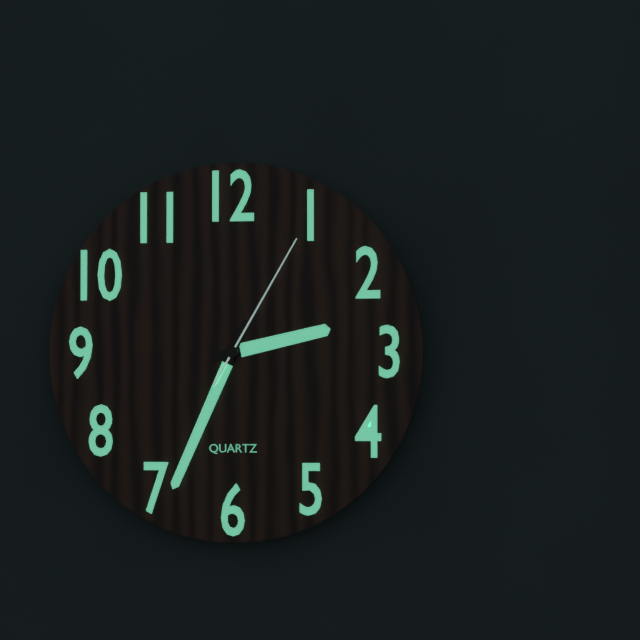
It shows {"hour": 2, "minute": 34, "second": 5}
